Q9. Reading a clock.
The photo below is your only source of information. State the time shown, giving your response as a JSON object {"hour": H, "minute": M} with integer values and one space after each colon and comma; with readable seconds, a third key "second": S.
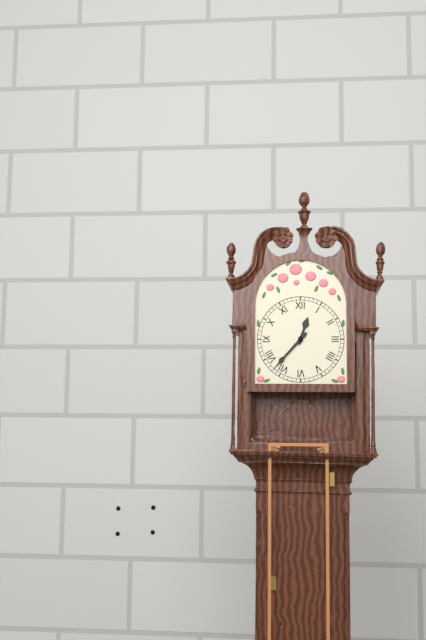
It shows {"hour": 12, "minute": 37}
